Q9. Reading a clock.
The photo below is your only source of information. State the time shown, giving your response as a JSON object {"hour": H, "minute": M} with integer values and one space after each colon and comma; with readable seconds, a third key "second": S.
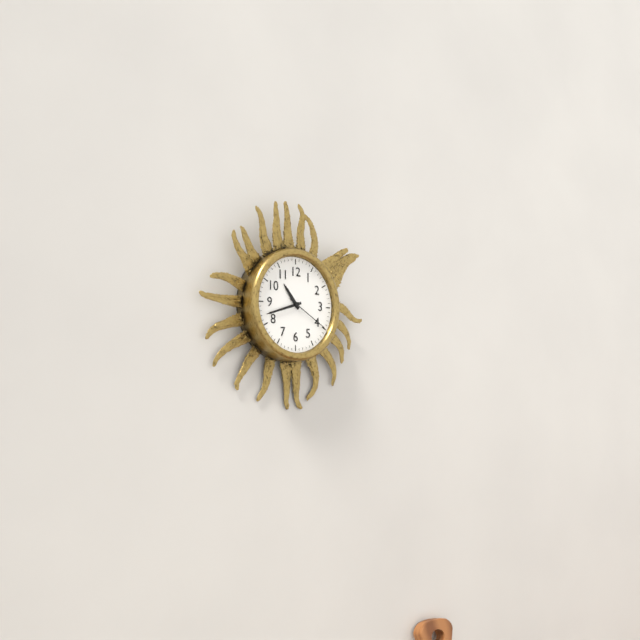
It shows {"hour": 10, "minute": 42}
